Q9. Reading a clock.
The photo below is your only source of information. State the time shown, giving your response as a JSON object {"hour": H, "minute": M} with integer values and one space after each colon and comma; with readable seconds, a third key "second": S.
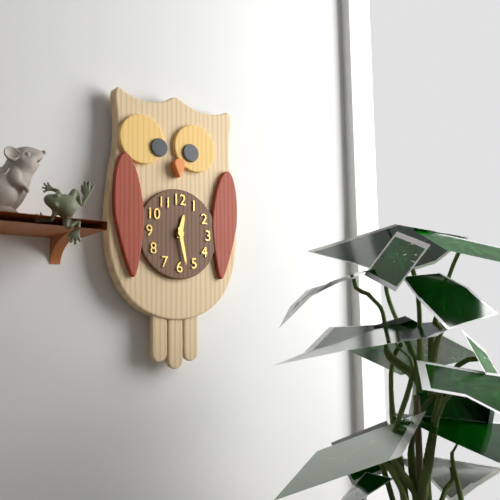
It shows {"hour": 12, "minute": 28}
